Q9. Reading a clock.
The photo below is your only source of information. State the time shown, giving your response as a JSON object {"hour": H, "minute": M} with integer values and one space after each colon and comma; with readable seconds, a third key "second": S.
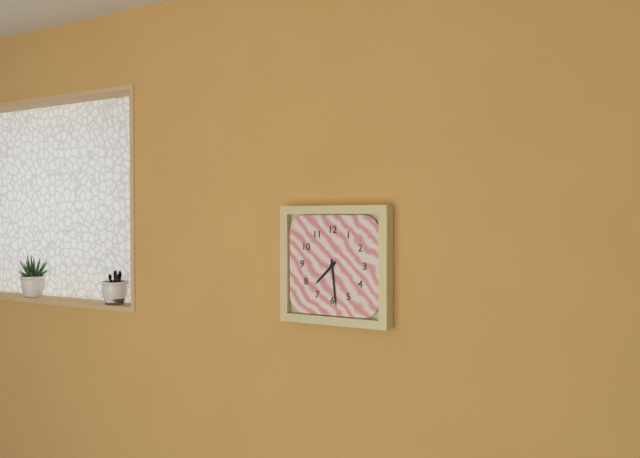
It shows {"hour": 7, "minute": 29}
